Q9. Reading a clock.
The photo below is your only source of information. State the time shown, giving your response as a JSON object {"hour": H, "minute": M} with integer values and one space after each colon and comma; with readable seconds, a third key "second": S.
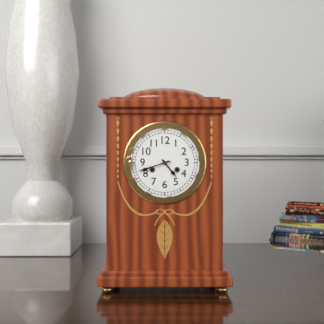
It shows {"hour": 4, "minute": 42}
